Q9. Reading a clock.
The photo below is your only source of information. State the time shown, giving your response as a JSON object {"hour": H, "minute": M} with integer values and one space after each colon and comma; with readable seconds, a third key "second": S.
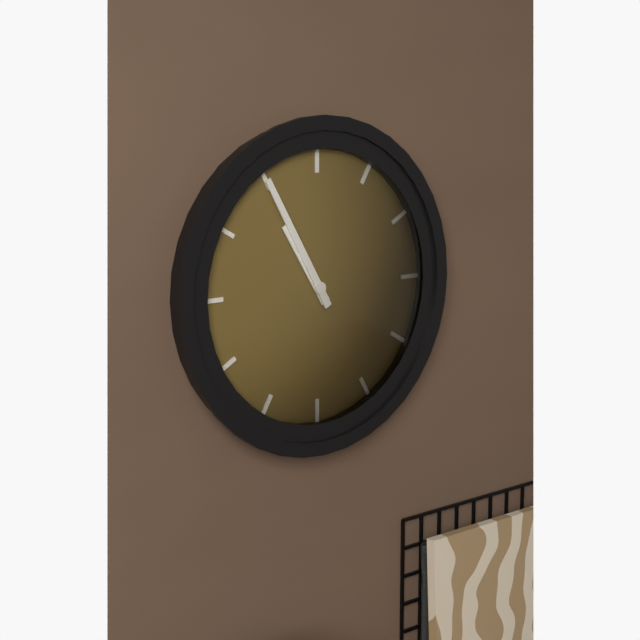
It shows {"hour": 10, "minute": 55}
